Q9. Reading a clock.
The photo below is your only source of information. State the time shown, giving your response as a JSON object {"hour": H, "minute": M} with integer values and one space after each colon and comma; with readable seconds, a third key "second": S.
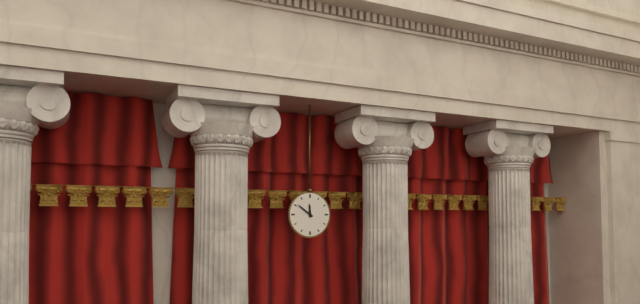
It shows {"hour": 11, "minute": 51}
